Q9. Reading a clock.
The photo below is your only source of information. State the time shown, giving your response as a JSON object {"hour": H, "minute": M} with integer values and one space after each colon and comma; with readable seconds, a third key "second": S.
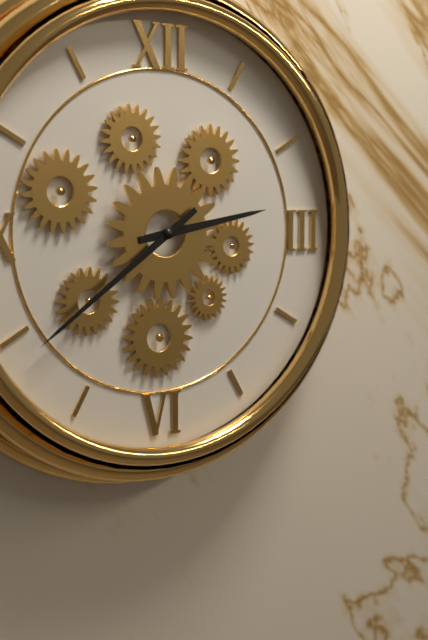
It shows {"hour": 2, "minute": 39}
